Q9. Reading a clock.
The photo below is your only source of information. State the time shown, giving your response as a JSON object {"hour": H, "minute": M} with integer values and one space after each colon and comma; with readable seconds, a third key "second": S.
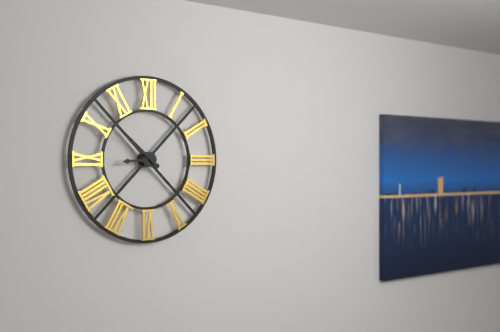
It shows {"hour": 8, "minute": 52}
